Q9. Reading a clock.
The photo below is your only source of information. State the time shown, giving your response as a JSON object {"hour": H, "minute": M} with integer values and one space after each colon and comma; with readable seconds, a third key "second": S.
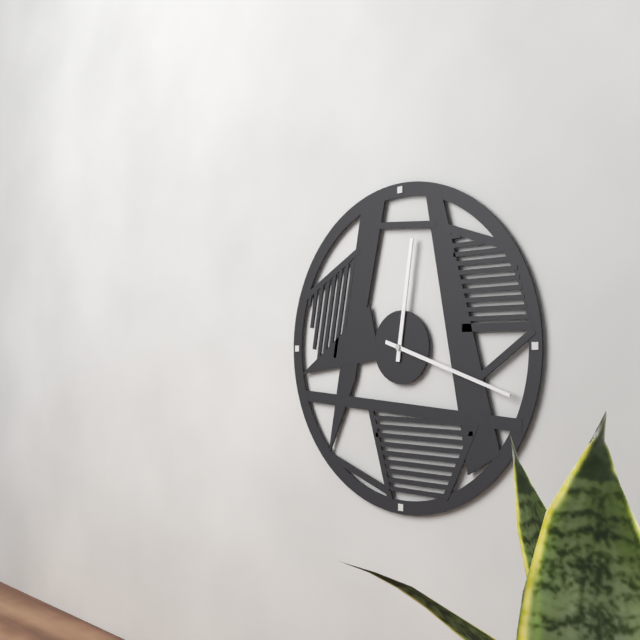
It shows {"hour": 12, "minute": 18}
